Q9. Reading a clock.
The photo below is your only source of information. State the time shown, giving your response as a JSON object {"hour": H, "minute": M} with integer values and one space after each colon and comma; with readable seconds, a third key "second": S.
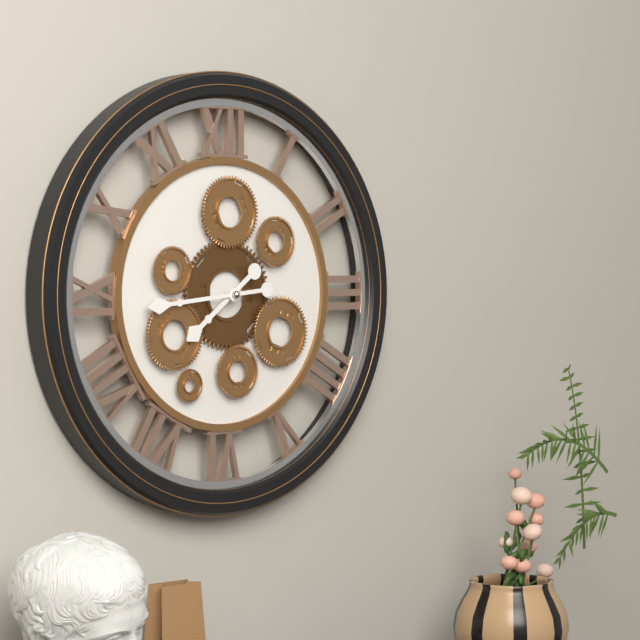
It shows {"hour": 7, "minute": 44}
